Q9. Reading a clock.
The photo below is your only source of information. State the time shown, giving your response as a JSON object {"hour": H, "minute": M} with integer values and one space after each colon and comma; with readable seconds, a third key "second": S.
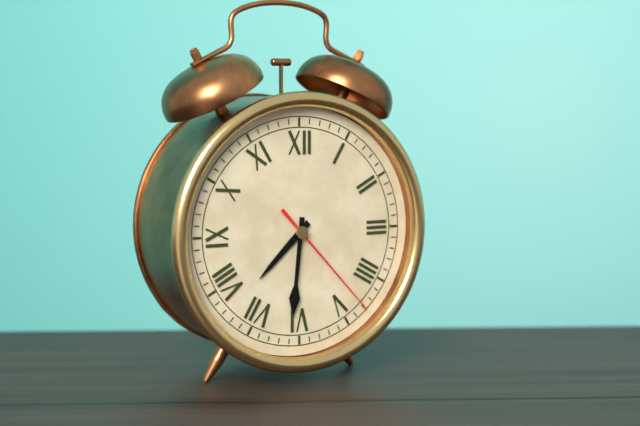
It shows {"hour": 7, "minute": 31, "second": 23}
